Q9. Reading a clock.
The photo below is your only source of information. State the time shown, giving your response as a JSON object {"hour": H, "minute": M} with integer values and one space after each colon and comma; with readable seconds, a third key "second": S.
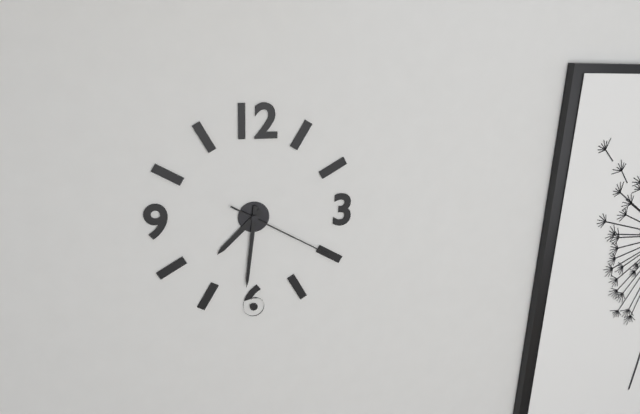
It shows {"hour": 7, "minute": 31, "second": 20}
